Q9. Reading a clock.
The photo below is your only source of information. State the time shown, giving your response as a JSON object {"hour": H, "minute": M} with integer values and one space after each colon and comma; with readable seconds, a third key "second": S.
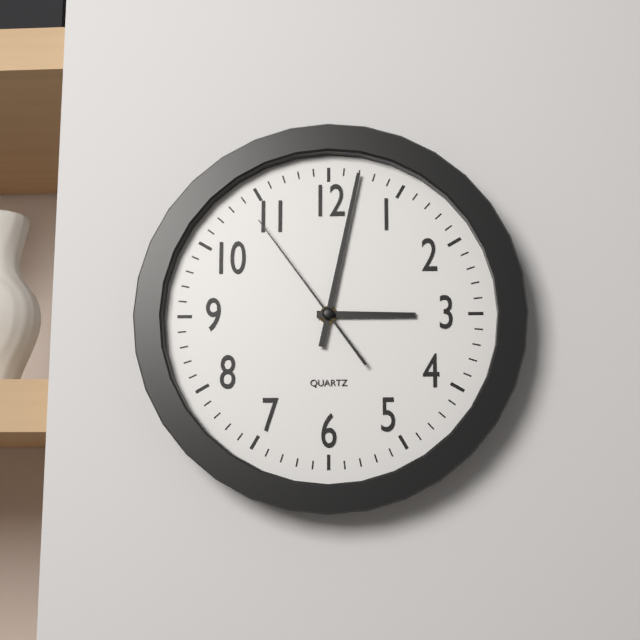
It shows {"hour": 3, "minute": 2, "second": 54}
